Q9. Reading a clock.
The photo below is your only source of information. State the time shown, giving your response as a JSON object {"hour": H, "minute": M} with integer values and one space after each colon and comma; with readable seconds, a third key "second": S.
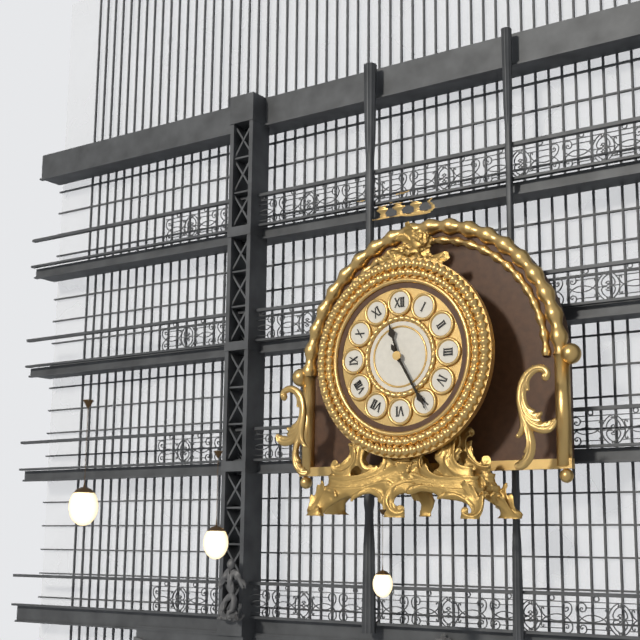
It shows {"hour": 11, "minute": 25}
